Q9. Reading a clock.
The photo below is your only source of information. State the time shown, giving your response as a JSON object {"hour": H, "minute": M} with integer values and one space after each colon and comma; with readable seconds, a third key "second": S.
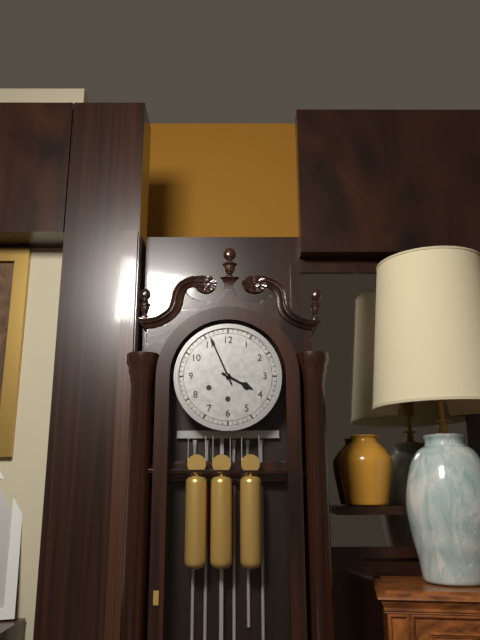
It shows {"hour": 3, "minute": 56}
